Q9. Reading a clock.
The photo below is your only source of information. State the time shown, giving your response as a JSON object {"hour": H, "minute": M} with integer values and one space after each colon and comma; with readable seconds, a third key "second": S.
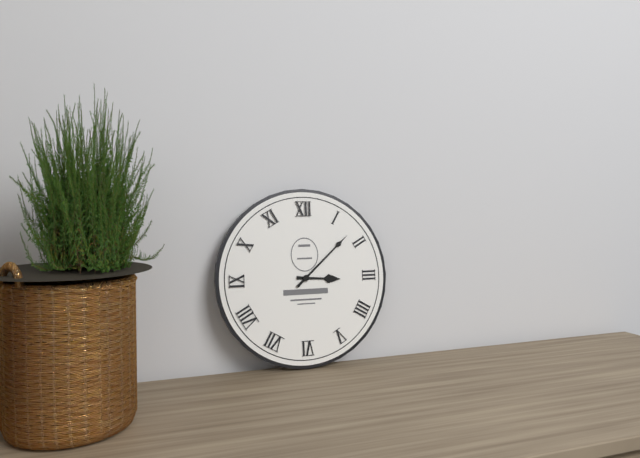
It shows {"hour": 3, "minute": 8}
